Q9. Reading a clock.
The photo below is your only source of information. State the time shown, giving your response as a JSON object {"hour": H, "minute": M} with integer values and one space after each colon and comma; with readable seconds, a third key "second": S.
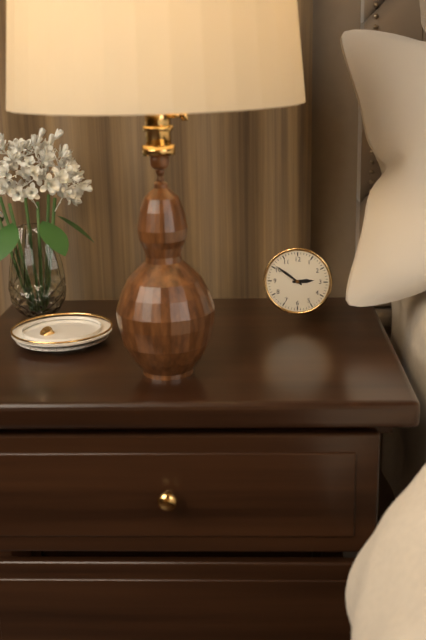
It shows {"hour": 2, "minute": 51}
